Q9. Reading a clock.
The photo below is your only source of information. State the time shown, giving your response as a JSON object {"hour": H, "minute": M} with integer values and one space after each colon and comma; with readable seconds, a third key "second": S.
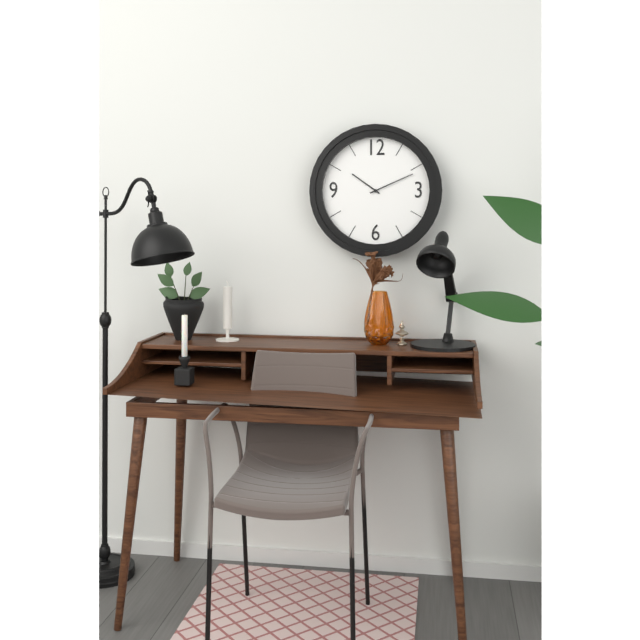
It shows {"hour": 10, "minute": 11}
